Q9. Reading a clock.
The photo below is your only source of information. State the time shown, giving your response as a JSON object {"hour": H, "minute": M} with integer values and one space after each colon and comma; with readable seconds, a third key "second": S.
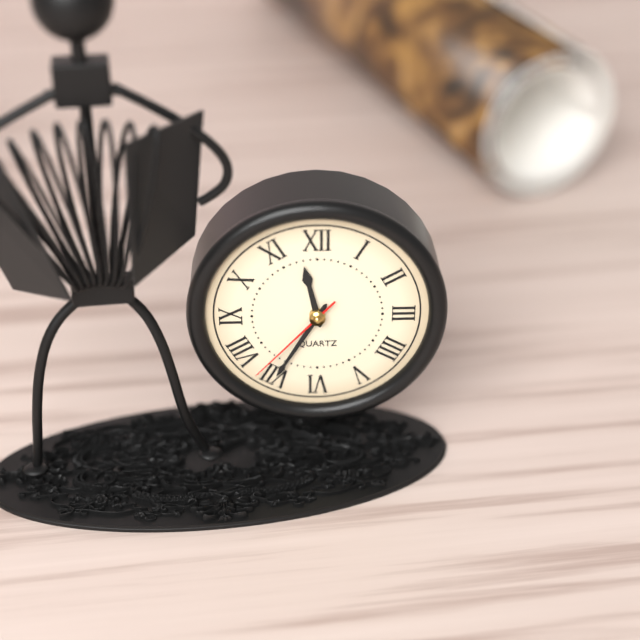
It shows {"hour": 11, "minute": 35, "second": 37}
